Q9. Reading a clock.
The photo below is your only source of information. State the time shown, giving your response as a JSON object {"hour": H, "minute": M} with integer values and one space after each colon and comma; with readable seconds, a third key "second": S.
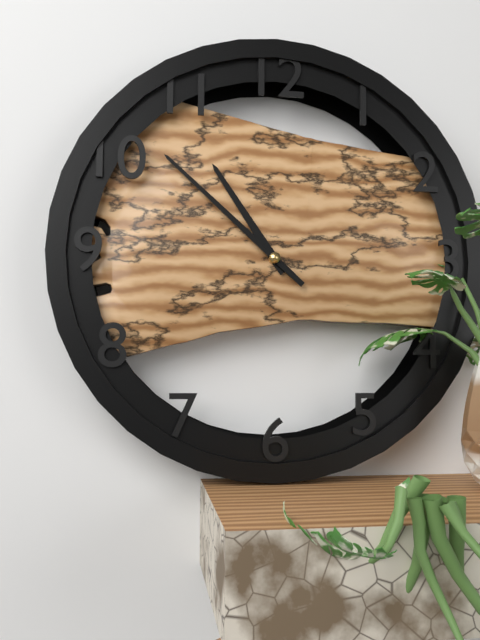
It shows {"hour": 10, "minute": 52}
